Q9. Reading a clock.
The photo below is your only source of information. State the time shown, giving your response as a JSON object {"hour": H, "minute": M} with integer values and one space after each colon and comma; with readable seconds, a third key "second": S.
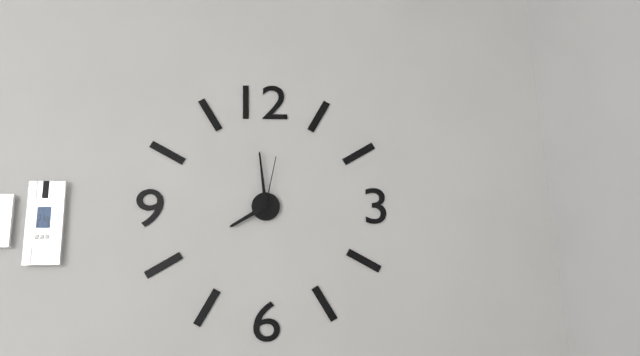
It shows {"hour": 7, "minute": 59, "second": 2}
